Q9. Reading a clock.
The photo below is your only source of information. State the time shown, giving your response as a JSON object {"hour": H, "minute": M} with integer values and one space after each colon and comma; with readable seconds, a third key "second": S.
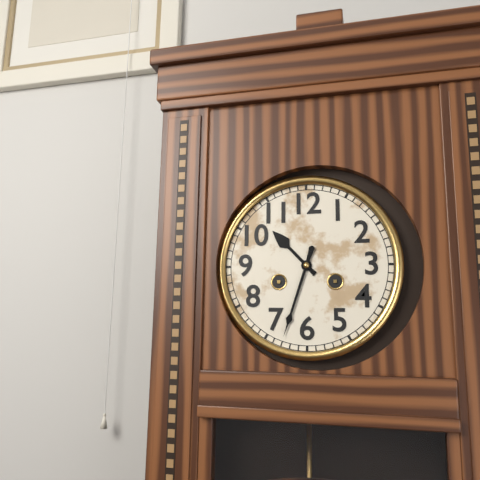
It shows {"hour": 10, "minute": 33}
